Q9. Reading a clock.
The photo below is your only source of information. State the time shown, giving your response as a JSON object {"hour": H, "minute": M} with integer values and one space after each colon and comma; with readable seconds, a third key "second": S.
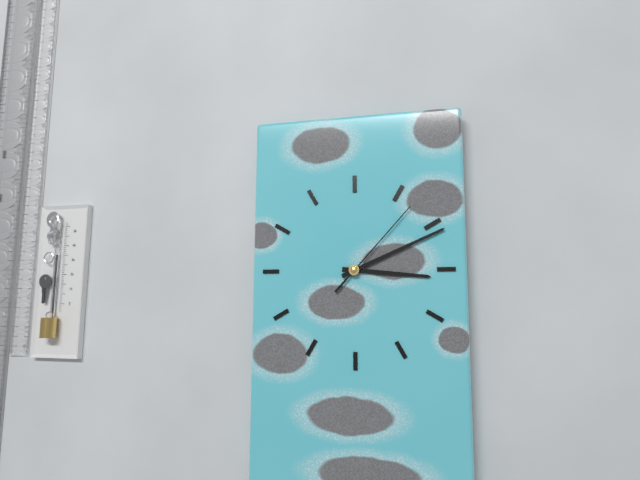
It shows {"hour": 3, "minute": 11, "second": 7}
